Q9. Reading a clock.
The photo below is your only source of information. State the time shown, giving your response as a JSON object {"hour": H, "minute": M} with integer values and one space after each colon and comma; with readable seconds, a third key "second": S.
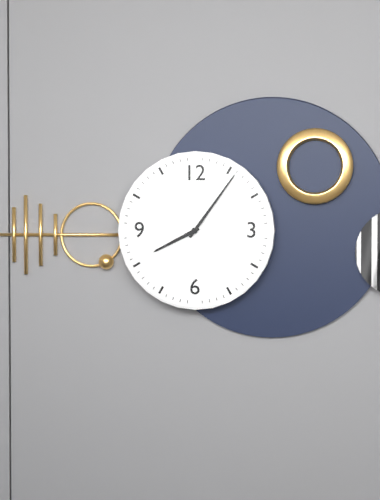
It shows {"hour": 8, "minute": 6}
